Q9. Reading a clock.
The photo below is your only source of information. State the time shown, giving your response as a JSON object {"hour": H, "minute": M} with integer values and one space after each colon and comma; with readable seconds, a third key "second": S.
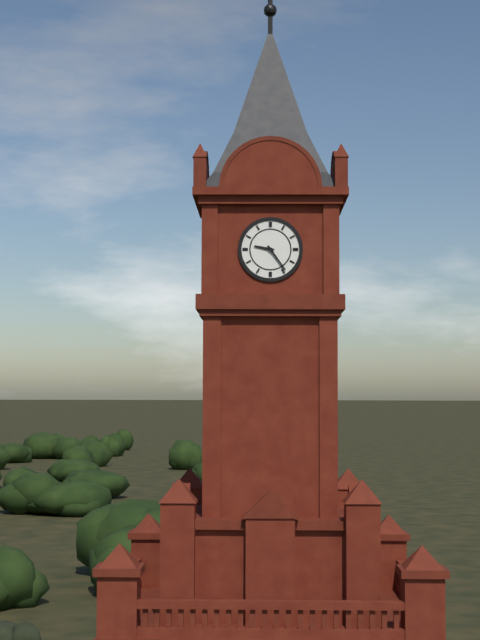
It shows {"hour": 9, "minute": 24}
